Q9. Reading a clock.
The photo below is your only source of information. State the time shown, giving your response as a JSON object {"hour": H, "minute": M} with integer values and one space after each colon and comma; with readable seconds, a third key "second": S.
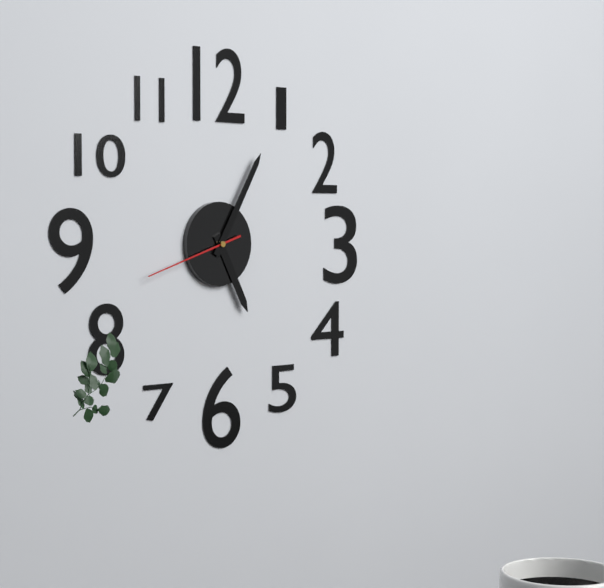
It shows {"hour": 5, "minute": 5, "second": 42}
